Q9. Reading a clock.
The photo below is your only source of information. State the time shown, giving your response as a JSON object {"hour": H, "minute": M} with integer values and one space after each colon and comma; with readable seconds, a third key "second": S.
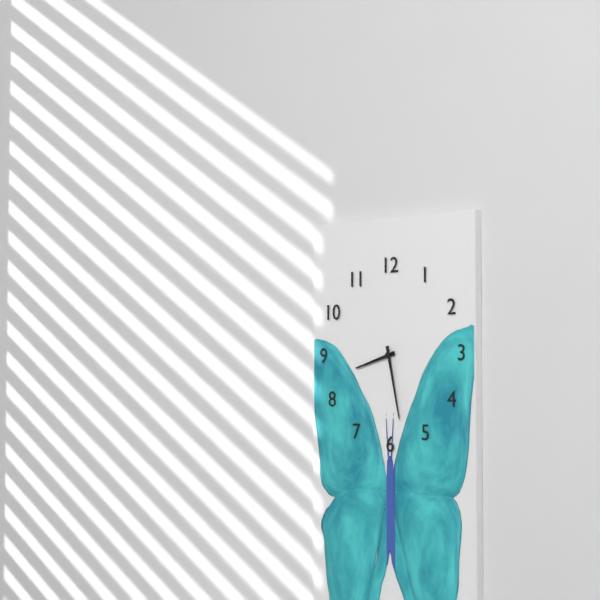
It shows {"hour": 8, "minute": 28}
